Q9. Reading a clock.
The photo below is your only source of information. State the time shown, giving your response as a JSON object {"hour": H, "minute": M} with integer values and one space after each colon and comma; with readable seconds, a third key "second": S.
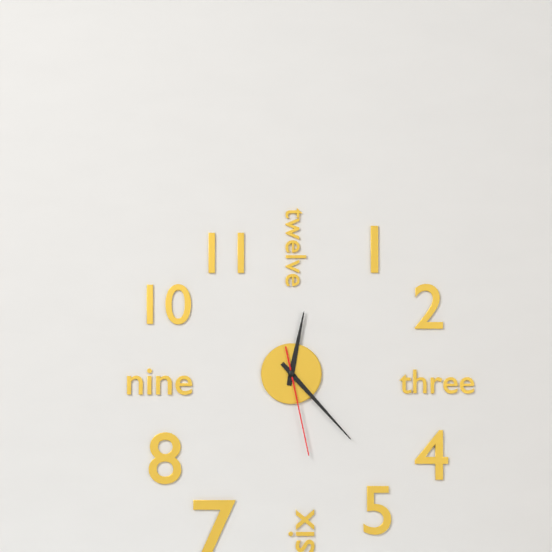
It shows {"hour": 12, "minute": 23, "second": 28}
